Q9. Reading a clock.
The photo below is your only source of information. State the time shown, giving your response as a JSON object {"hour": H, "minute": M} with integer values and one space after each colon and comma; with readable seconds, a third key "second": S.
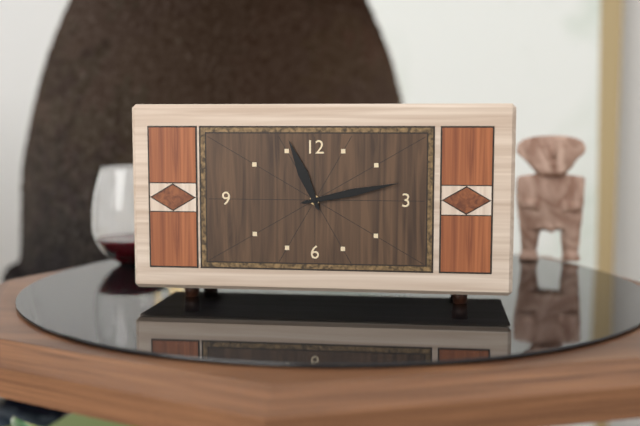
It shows {"hour": 11, "minute": 13}
